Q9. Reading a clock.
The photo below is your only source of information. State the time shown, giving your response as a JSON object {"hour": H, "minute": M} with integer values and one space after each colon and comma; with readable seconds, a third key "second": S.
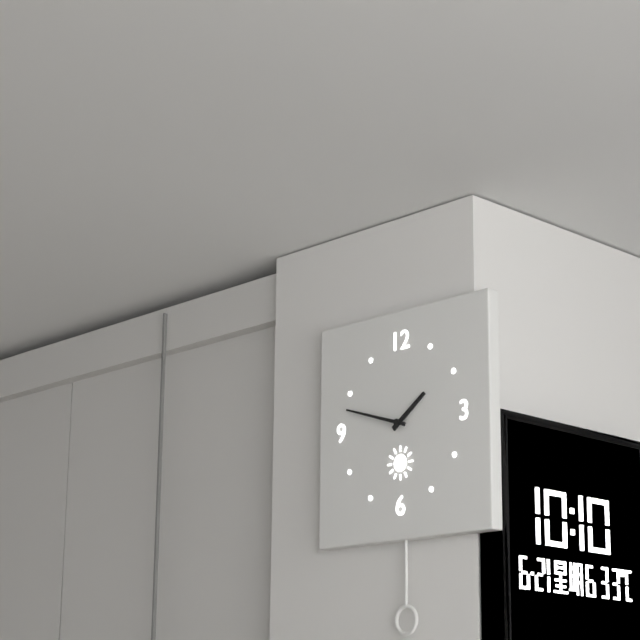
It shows {"hour": 1, "minute": 48}
